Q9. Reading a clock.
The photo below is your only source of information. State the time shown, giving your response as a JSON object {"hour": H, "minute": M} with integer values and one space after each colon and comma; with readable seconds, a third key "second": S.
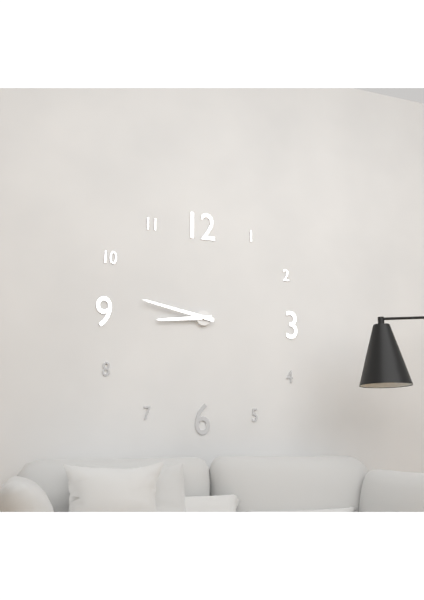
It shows {"hour": 8, "minute": 47}
